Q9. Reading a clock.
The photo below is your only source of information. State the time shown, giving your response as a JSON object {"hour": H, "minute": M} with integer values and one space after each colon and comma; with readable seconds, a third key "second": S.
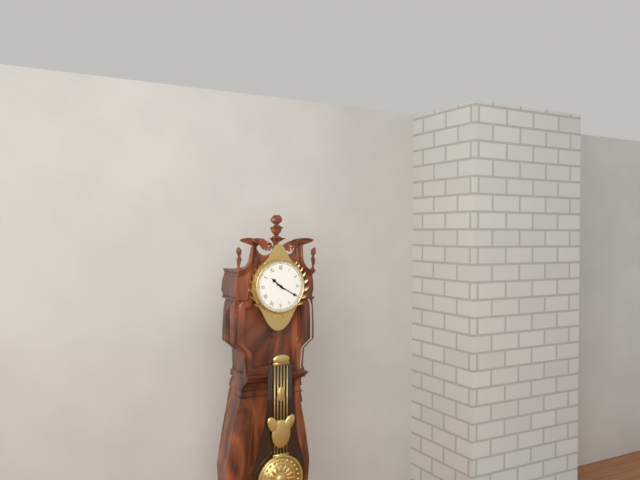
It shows {"hour": 10, "minute": 20}
